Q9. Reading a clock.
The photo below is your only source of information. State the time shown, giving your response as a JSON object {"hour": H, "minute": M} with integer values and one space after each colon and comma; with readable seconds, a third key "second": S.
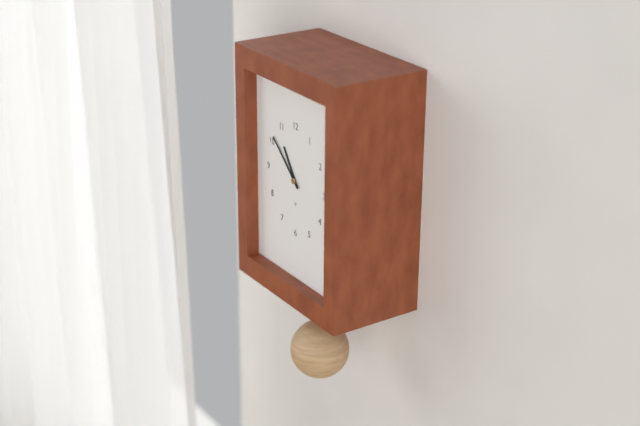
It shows {"hour": 10, "minute": 52}
